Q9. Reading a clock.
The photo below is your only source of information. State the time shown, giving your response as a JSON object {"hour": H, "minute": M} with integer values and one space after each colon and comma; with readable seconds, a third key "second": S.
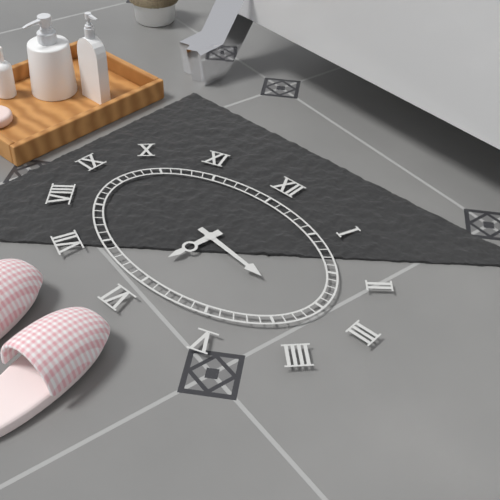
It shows {"hour": 6, "minute": 16}
